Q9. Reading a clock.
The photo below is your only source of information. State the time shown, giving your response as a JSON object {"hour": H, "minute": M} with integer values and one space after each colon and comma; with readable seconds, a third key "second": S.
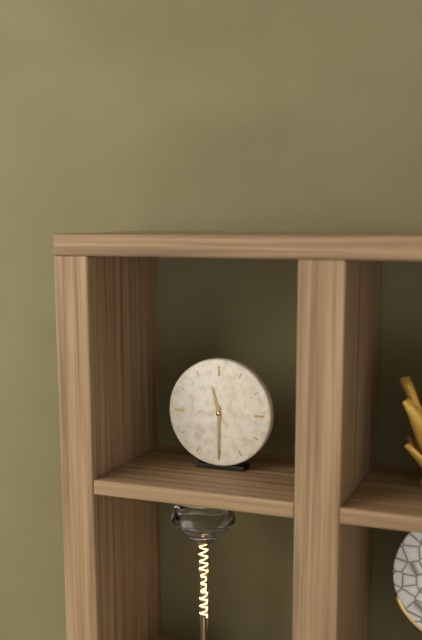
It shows {"hour": 11, "minute": 30}
